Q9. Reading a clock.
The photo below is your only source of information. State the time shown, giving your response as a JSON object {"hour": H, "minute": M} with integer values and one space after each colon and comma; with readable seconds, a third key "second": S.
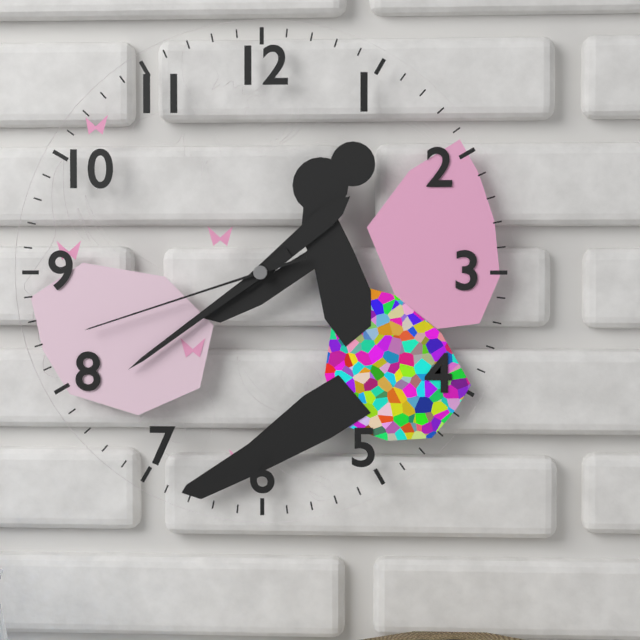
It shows {"hour": 1, "minute": 39, "second": 42}
